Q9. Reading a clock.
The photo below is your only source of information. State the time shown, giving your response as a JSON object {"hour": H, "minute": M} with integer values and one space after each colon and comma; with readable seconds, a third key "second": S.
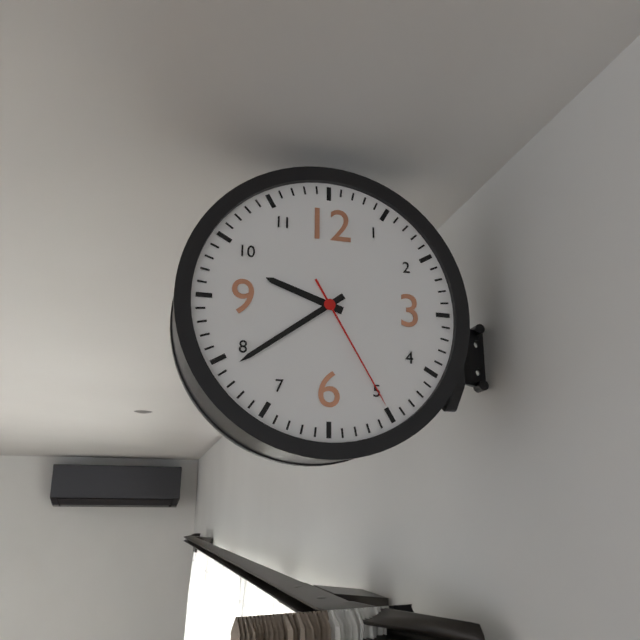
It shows {"hour": 9, "minute": 39, "second": 25}
